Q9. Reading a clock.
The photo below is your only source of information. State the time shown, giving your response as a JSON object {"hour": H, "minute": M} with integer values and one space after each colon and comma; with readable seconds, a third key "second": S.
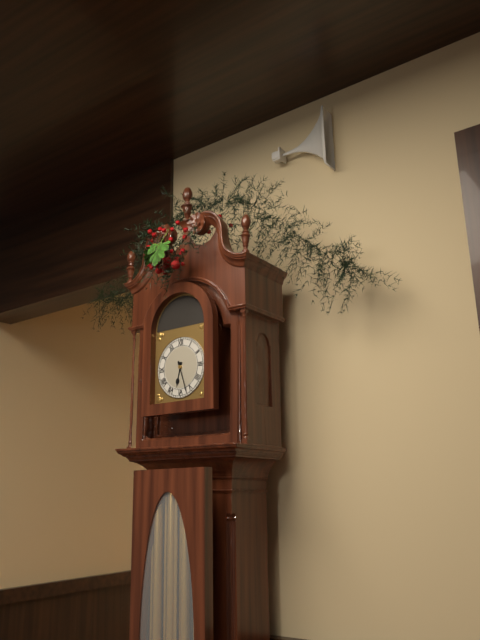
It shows {"hour": 6, "minute": 27}
